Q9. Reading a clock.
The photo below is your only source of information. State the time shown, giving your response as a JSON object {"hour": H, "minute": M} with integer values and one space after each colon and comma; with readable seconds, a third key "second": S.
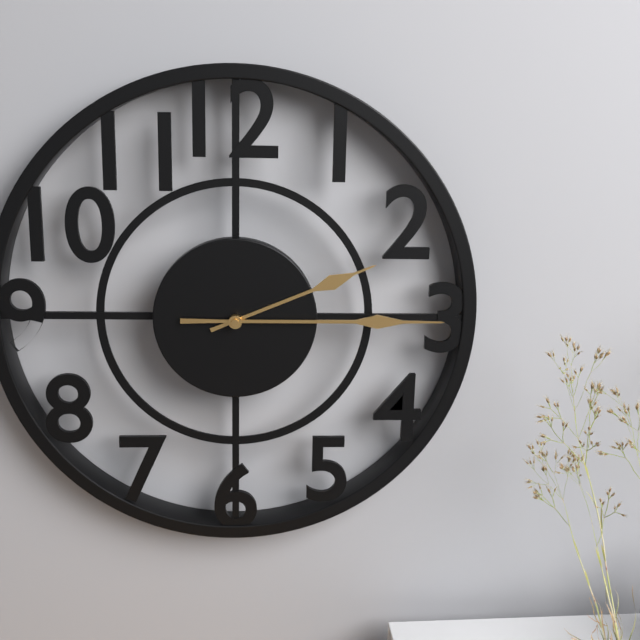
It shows {"hour": 2, "minute": 15}
